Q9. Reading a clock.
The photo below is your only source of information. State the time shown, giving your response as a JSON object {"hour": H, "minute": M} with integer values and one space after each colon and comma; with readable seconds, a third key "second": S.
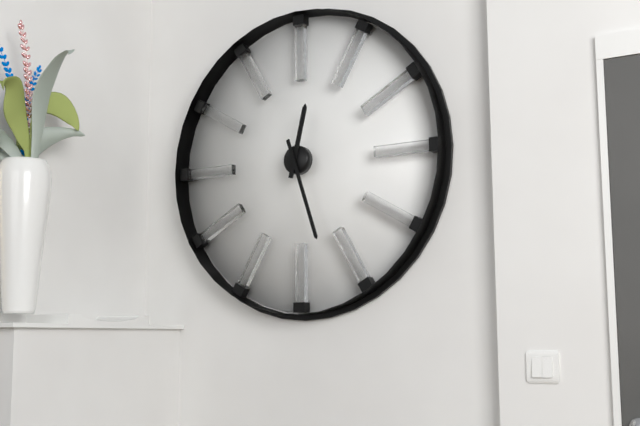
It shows {"hour": 12, "minute": 27}
